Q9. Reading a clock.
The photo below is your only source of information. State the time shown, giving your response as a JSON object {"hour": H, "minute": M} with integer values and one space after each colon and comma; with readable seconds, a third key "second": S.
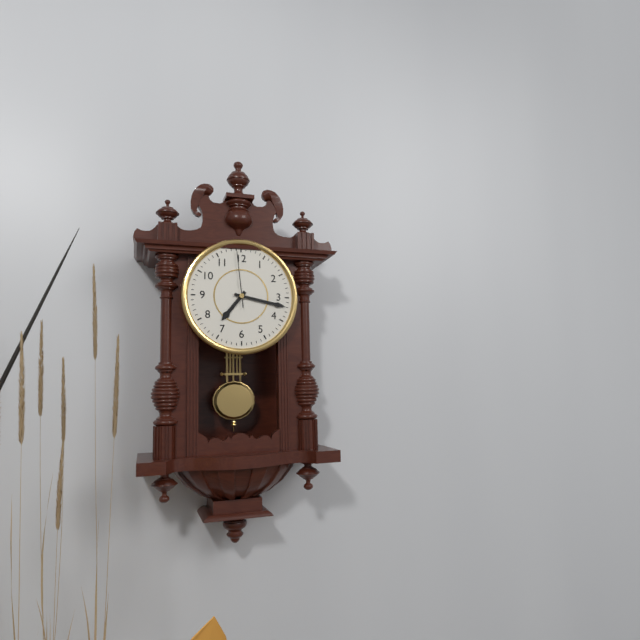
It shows {"hour": 7, "minute": 17, "second": 59}
